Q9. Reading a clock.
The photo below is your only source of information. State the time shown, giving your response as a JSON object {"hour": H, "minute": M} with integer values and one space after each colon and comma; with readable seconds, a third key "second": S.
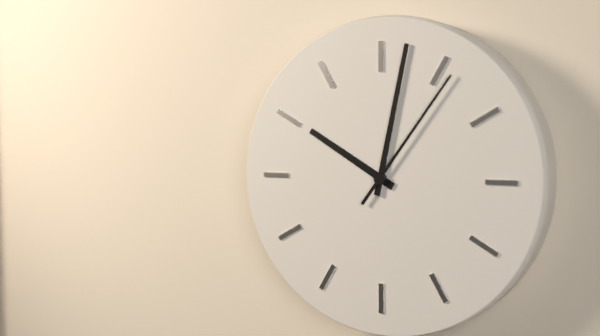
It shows {"hour": 10, "minute": 2, "second": 6}
